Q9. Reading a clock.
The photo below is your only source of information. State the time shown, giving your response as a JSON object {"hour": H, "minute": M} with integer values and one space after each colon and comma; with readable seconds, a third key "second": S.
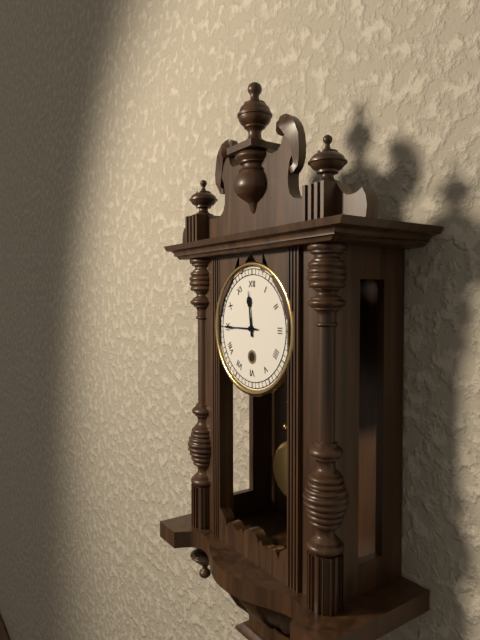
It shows {"hour": 11, "minute": 45}
